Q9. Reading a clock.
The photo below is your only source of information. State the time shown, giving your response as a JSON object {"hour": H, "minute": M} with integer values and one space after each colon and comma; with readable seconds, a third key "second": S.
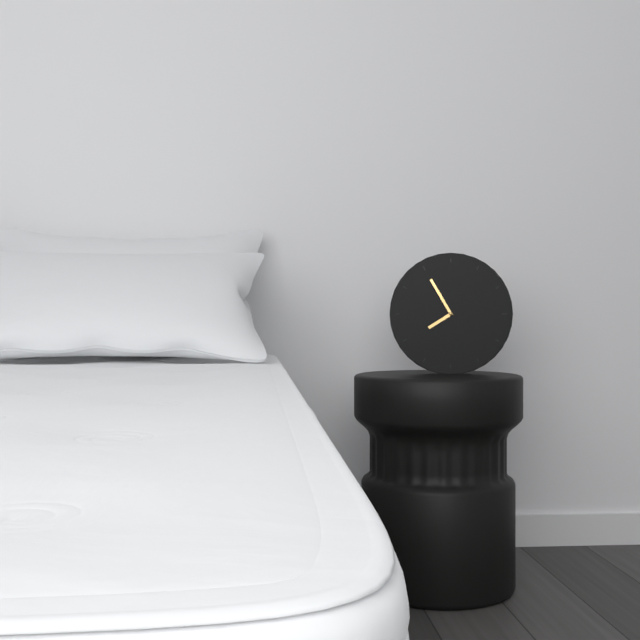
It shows {"hour": 7, "minute": 55}
